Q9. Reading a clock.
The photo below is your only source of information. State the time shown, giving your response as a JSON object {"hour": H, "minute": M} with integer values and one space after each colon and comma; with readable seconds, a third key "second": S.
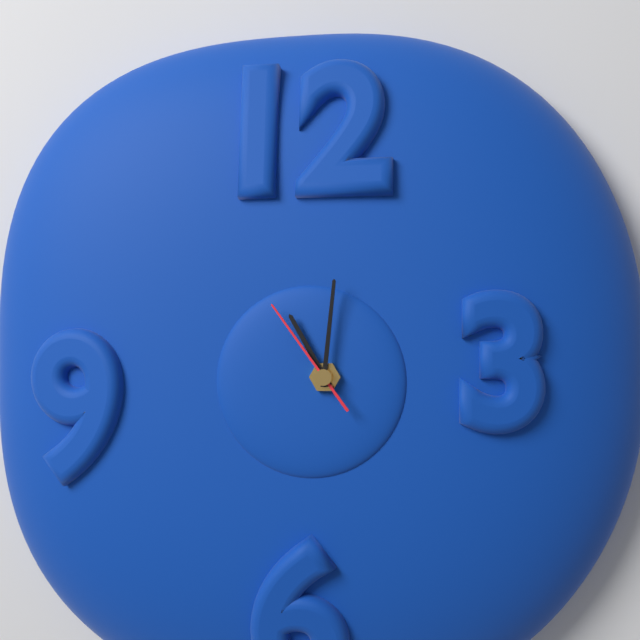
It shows {"hour": 11, "minute": 1, "second": 54}
